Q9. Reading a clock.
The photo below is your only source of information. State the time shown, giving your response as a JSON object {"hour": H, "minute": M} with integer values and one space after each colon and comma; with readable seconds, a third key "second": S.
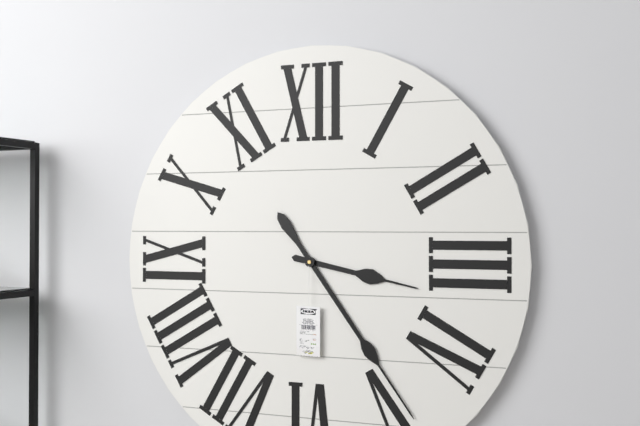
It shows {"hour": 3, "minute": 24}
